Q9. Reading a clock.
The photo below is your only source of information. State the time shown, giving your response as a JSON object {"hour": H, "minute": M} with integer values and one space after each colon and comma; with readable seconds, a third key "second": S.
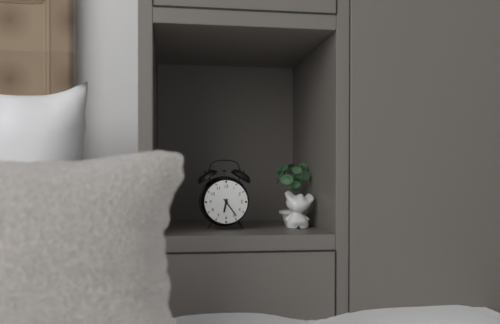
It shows {"hour": 6, "minute": 24}
